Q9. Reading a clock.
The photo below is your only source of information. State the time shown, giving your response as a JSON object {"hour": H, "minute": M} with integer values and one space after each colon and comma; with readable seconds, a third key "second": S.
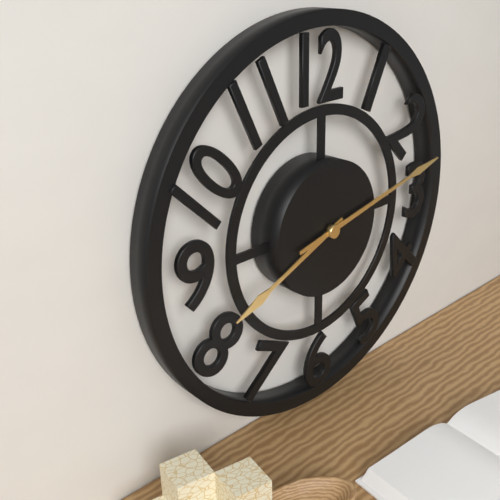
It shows {"hour": 8, "minute": 13}
